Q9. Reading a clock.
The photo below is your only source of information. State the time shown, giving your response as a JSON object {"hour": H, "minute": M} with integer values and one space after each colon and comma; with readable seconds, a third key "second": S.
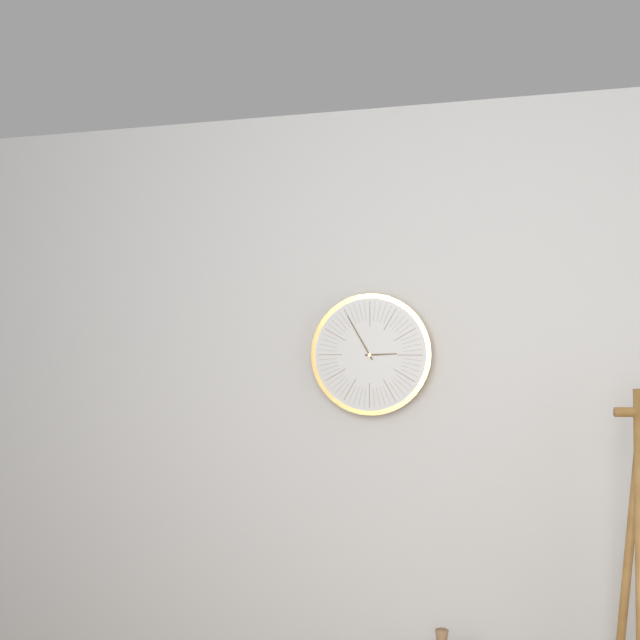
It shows {"hour": 2, "minute": 55}
